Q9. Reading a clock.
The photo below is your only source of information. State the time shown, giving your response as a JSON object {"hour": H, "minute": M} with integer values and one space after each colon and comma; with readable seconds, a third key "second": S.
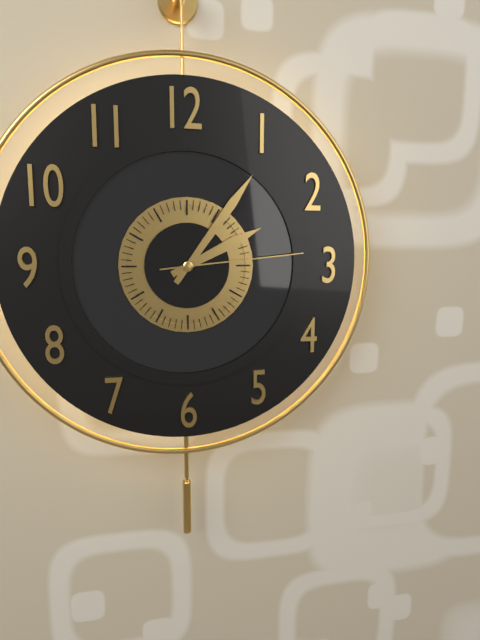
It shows {"hour": 2, "minute": 6, "second": 14}
